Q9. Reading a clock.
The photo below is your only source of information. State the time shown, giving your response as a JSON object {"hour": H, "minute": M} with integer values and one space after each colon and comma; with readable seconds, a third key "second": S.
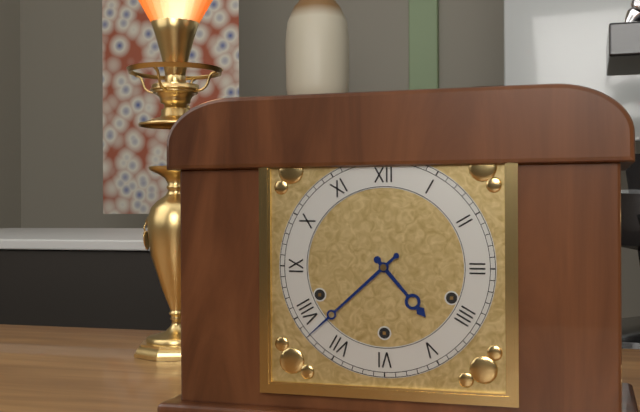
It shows {"hour": 4, "minute": 38}
